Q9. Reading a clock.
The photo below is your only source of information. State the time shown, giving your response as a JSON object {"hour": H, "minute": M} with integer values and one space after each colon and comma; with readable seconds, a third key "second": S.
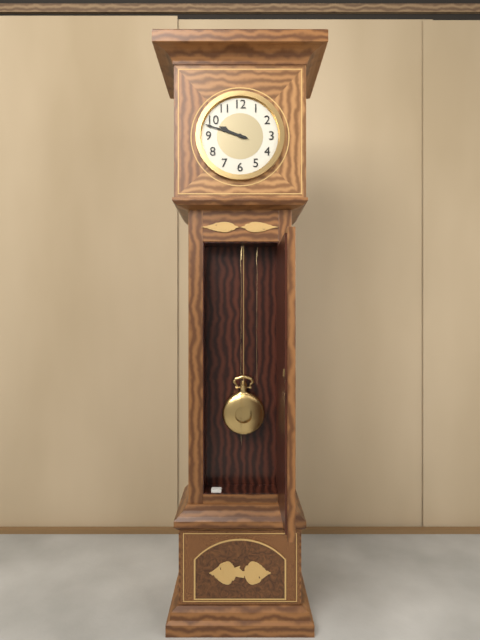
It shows {"hour": 9, "minute": 48}
